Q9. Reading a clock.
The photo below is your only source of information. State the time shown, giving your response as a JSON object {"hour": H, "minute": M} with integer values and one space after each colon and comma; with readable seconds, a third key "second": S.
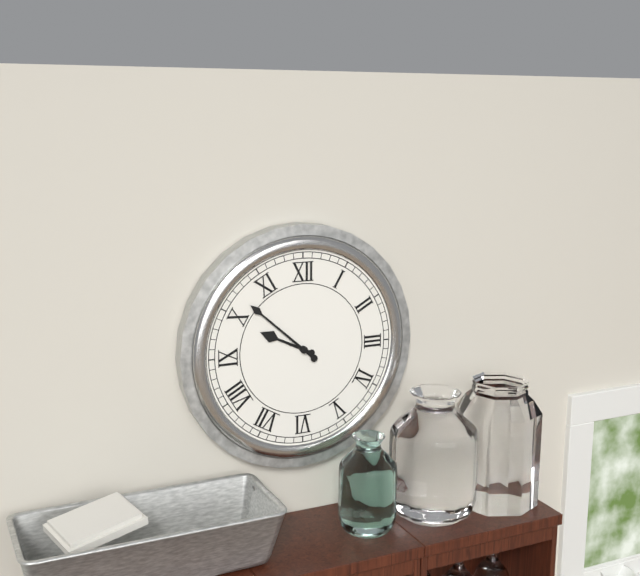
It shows {"hour": 9, "minute": 52}
